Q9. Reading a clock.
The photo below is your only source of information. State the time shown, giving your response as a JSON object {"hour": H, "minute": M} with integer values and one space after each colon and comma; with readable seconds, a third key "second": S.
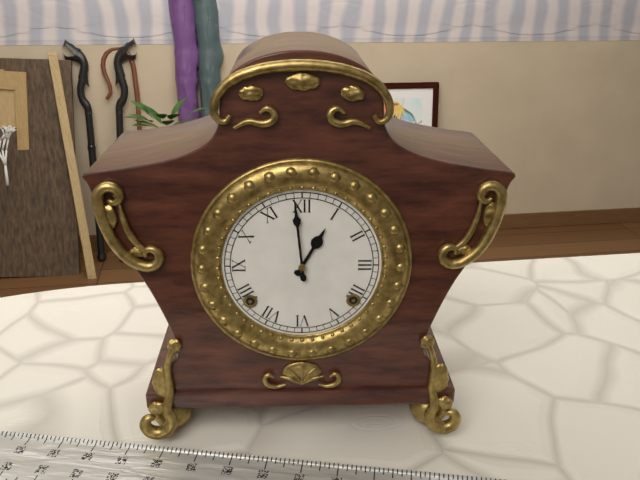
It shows {"hour": 12, "minute": 59}
